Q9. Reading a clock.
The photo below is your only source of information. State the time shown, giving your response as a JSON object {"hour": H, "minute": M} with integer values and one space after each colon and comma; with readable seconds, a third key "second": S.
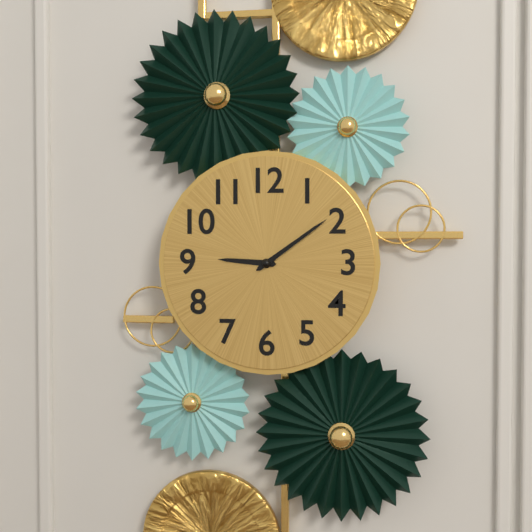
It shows {"hour": 9, "minute": 9}
